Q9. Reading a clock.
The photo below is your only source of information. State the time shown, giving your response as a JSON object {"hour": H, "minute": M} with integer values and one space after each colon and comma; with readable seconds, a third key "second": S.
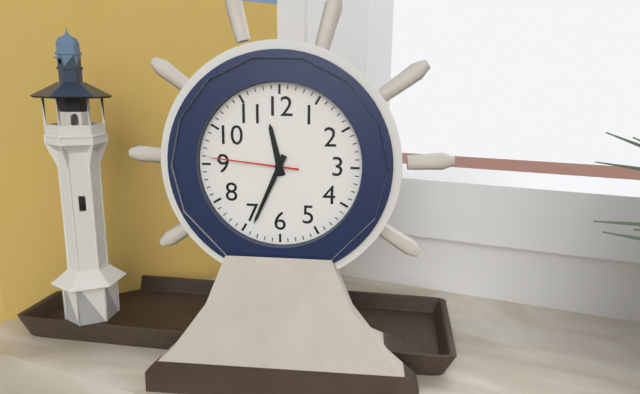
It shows {"hour": 11, "minute": 34, "second": 46}
